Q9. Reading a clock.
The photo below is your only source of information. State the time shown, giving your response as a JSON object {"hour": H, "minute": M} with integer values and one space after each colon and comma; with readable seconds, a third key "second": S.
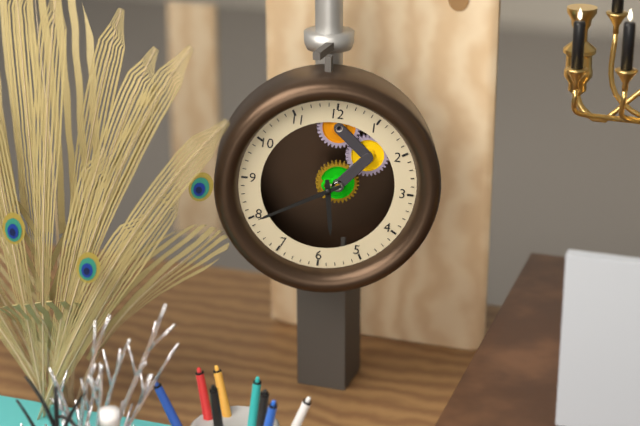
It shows {"hour": 5, "minute": 40}
